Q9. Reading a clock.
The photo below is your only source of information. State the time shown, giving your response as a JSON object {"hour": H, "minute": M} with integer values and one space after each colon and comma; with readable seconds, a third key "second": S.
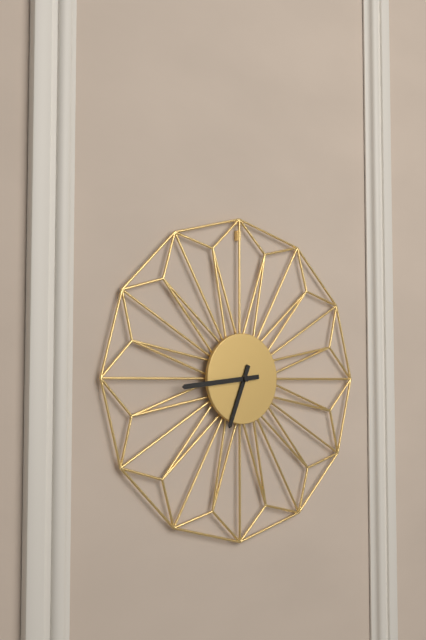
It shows {"hour": 6, "minute": 44}
